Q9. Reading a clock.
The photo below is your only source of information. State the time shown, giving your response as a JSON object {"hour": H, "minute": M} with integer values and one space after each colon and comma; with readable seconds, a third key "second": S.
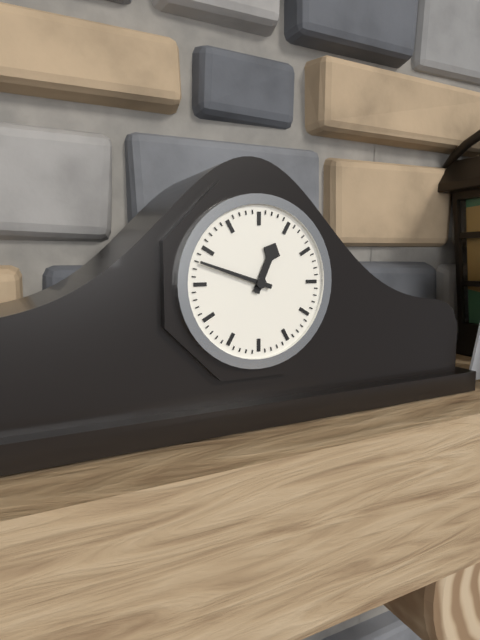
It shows {"hour": 12, "minute": 48}
